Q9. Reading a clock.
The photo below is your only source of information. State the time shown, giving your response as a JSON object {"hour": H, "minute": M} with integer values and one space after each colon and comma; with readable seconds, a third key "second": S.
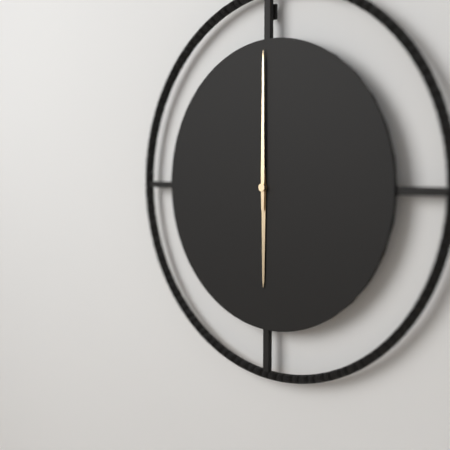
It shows {"hour": 6, "minute": 0}
